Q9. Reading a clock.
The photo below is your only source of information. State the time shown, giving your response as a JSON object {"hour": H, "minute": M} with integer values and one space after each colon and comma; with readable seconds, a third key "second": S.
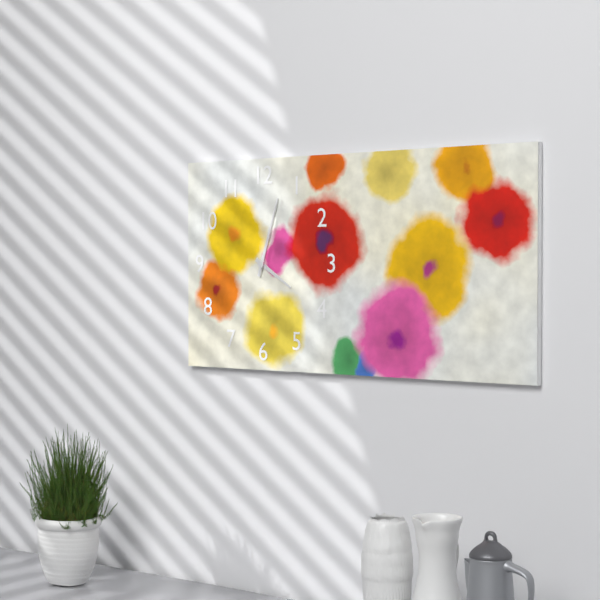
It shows {"hour": 4, "minute": 3}
